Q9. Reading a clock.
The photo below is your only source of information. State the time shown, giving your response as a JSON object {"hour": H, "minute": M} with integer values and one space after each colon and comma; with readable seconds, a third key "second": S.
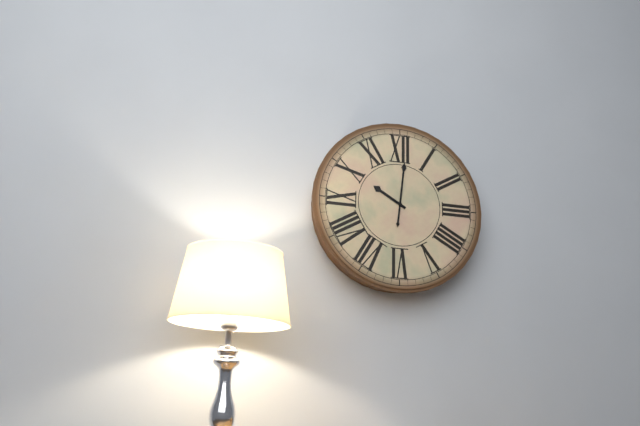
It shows {"hour": 10, "minute": 1}
